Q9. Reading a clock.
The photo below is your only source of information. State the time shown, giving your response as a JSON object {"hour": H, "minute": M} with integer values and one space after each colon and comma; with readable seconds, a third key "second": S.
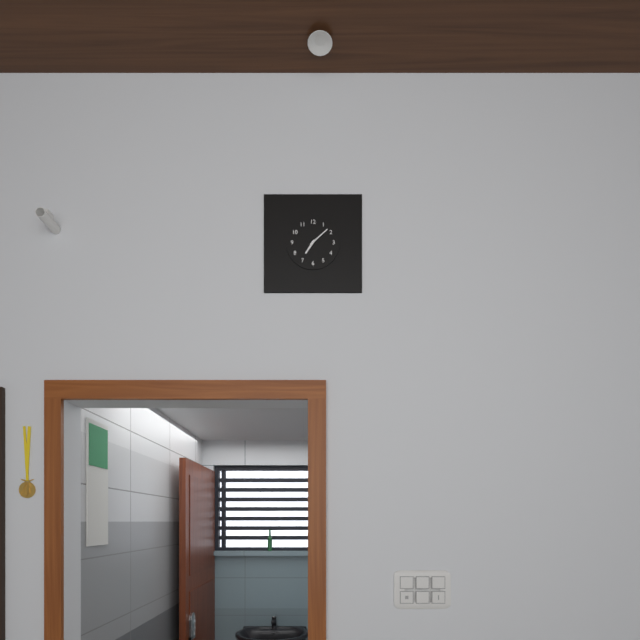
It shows {"hour": 7, "minute": 8}
